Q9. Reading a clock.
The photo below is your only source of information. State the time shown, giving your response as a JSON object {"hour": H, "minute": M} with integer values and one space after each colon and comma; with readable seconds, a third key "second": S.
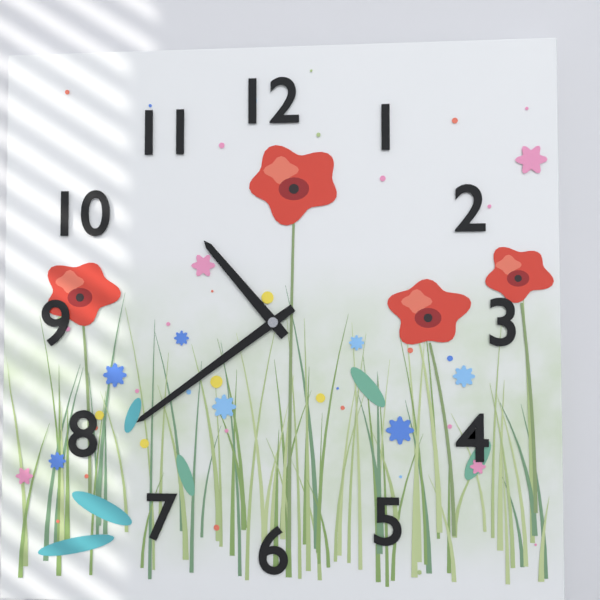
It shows {"hour": 10, "minute": 39}
